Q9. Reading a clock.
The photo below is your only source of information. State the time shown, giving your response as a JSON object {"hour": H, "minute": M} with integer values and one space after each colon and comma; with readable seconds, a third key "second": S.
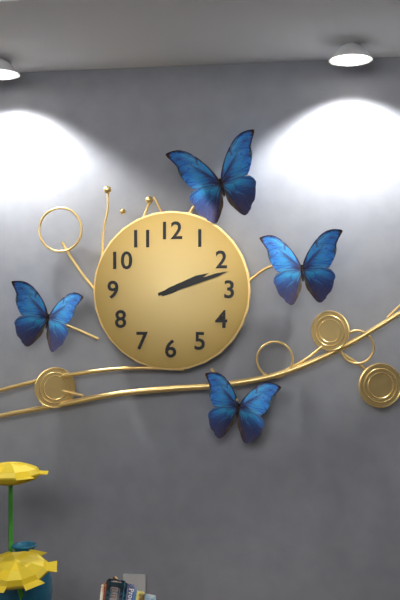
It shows {"hour": 2, "minute": 12}
